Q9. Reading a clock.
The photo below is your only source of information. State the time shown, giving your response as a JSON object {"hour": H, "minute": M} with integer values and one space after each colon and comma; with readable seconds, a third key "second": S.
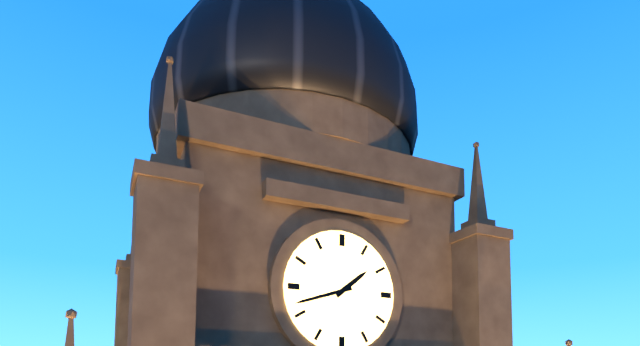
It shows {"hour": 1, "minute": 42}
